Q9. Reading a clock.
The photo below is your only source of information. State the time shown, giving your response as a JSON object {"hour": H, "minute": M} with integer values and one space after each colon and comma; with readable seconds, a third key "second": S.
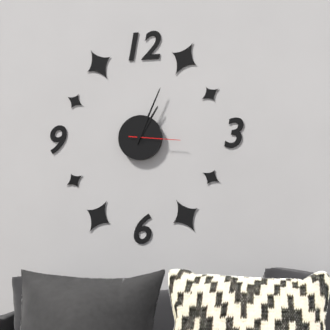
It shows {"hour": 1, "minute": 4, "second": 16}
